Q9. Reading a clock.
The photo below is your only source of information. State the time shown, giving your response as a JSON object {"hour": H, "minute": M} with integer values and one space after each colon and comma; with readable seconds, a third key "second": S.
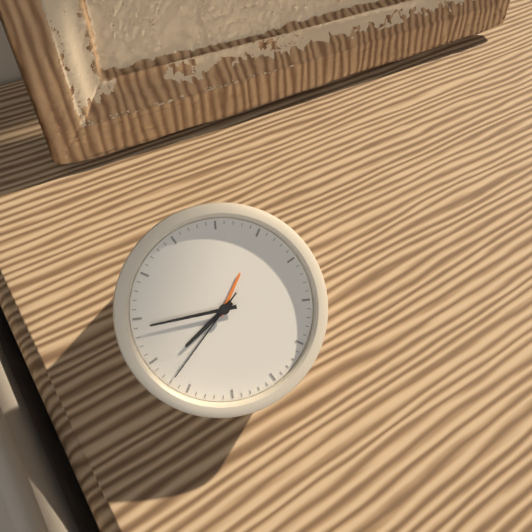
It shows {"hour": 7, "minute": 44, "second": 37}
